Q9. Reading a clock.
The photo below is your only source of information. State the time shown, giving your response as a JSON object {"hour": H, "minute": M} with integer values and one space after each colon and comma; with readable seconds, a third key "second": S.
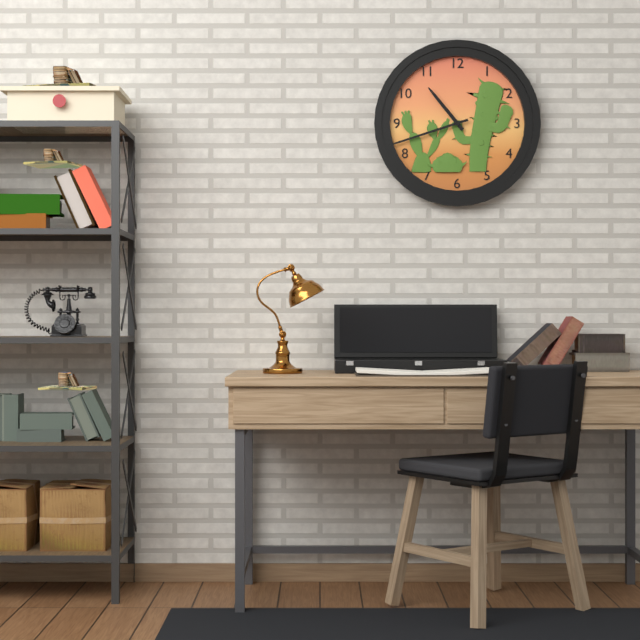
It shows {"hour": 10, "minute": 42}
